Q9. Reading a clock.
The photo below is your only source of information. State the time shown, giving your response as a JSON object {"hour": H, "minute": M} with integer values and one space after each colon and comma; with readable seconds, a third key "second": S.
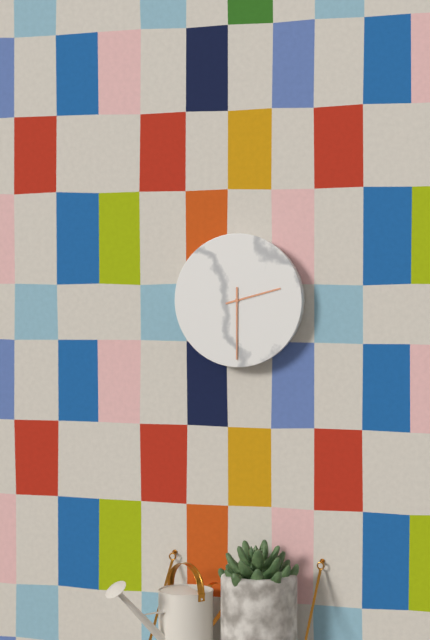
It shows {"hour": 2, "minute": 30}
